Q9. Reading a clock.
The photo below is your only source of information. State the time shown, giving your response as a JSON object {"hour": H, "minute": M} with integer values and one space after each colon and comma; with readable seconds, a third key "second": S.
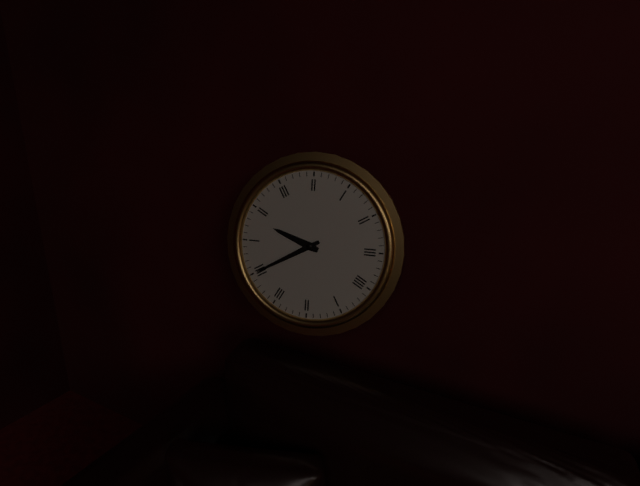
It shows {"hour": 9, "minute": 40}
